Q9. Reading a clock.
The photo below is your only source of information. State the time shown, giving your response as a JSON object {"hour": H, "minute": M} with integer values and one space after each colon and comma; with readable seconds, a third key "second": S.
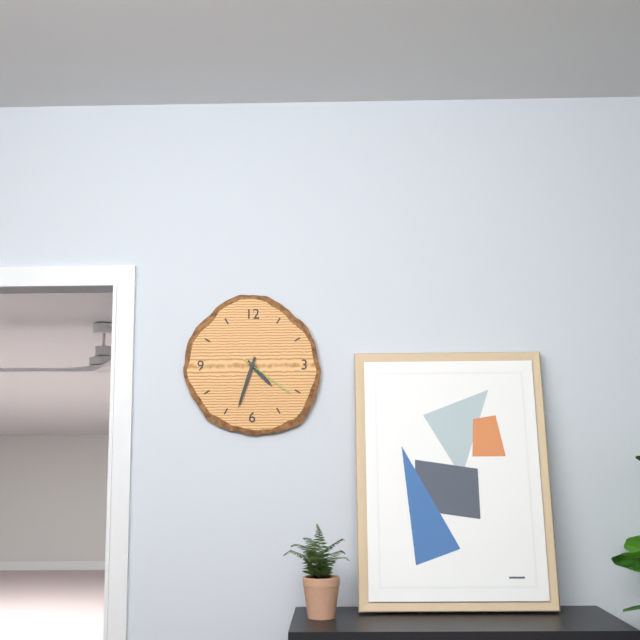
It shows {"hour": 4, "minute": 33, "second": 21}
